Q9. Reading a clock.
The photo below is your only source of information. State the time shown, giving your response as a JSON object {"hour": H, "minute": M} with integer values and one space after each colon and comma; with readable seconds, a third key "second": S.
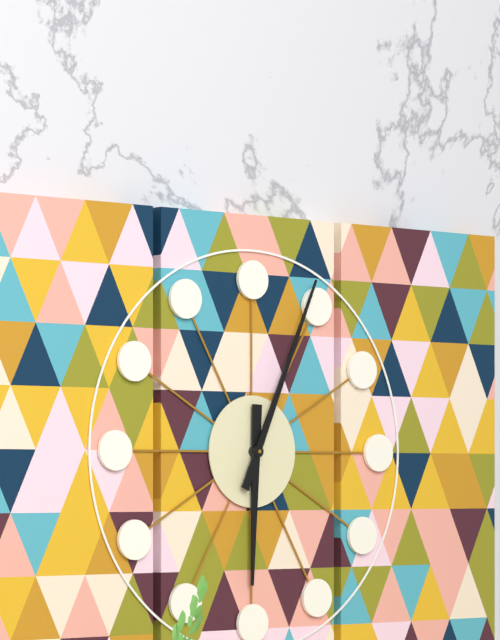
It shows {"hour": 6, "minute": 4}
